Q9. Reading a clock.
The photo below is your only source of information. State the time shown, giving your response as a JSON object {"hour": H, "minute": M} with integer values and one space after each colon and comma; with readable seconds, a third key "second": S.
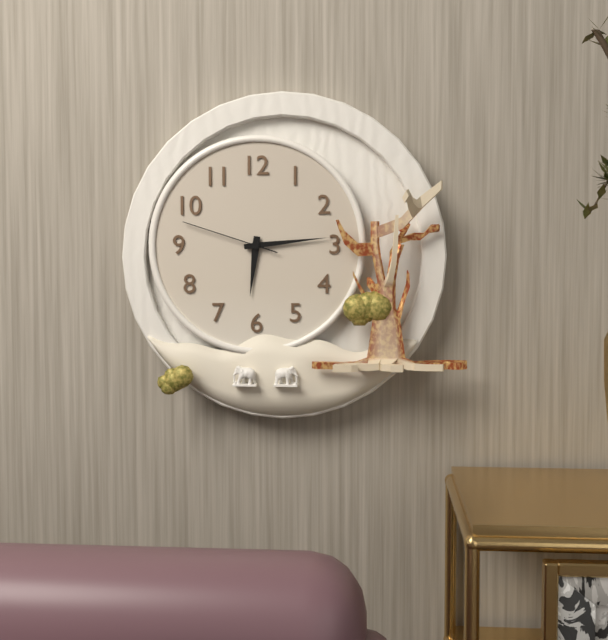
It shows {"hour": 6, "minute": 14, "second": 48}
